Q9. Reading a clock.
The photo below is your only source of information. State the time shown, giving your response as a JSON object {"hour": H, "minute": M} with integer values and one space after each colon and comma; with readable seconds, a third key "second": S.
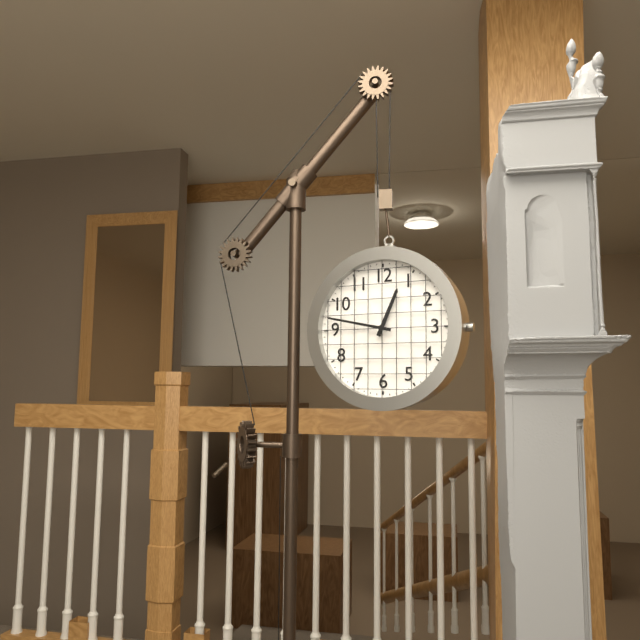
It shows {"hour": 12, "minute": 47}
